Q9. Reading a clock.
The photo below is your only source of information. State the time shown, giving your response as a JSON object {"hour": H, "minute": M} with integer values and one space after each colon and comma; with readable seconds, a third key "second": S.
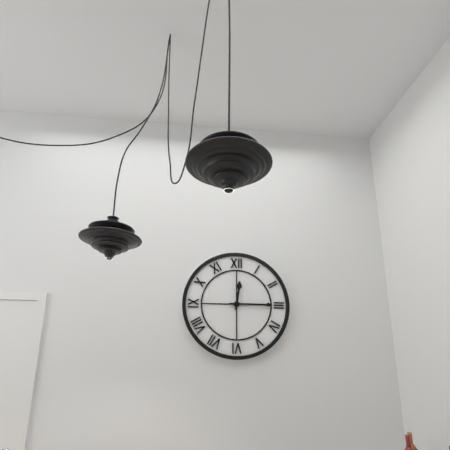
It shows {"hour": 12, "minute": 15}
